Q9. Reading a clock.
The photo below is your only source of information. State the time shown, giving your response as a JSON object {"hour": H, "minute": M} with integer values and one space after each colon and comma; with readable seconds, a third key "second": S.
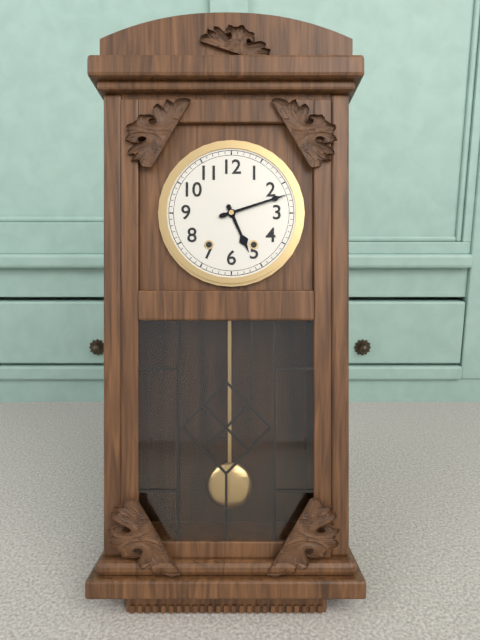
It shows {"hour": 5, "minute": 12}
